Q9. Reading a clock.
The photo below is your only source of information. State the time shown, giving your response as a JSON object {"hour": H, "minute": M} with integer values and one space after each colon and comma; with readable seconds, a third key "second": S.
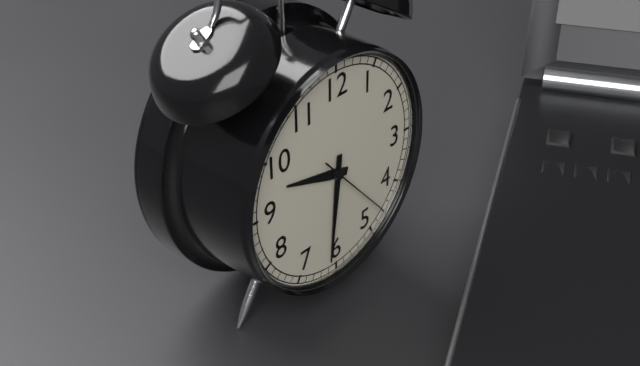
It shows {"hour": 9, "minute": 31, "second": 23}
